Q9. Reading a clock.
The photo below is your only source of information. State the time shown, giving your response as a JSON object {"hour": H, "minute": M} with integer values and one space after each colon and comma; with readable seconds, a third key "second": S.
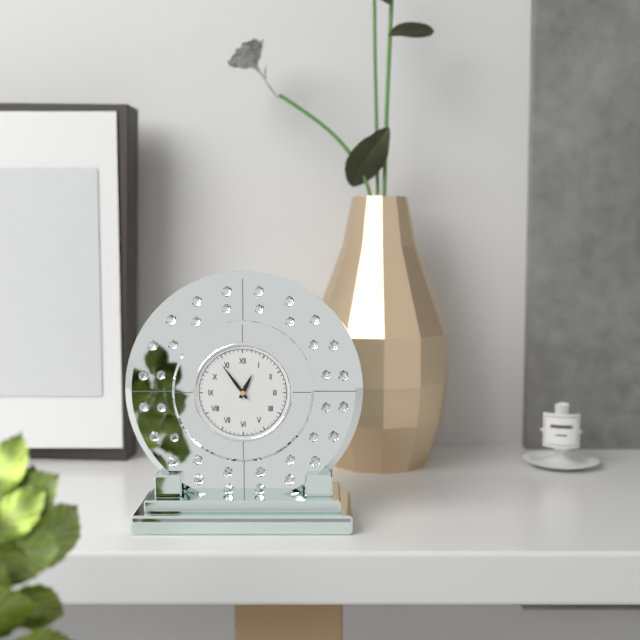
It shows {"hour": 12, "minute": 54}
